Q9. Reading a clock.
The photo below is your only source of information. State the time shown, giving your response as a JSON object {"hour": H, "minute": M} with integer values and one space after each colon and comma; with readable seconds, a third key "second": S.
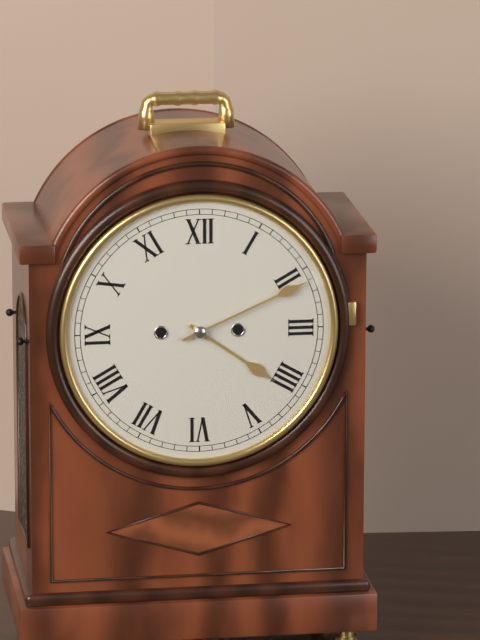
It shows {"hour": 4, "minute": 11}
